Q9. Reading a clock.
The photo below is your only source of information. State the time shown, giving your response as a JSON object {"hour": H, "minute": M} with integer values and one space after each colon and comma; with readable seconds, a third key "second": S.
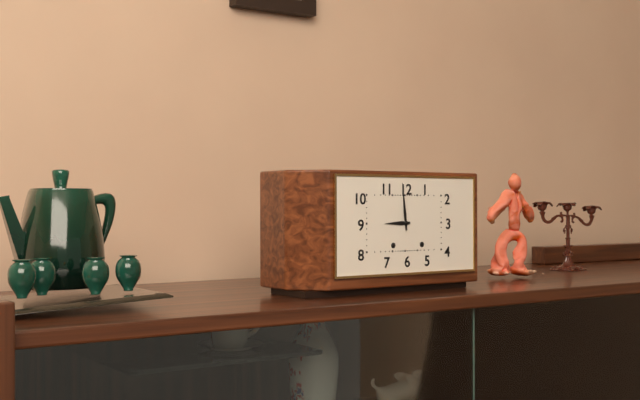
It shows {"hour": 8, "minute": 59}
